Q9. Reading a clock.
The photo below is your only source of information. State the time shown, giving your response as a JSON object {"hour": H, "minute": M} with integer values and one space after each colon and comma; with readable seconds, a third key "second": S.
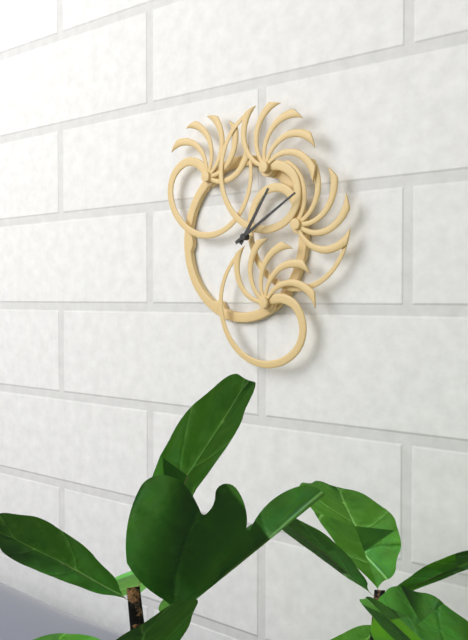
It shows {"hour": 1, "minute": 10}
